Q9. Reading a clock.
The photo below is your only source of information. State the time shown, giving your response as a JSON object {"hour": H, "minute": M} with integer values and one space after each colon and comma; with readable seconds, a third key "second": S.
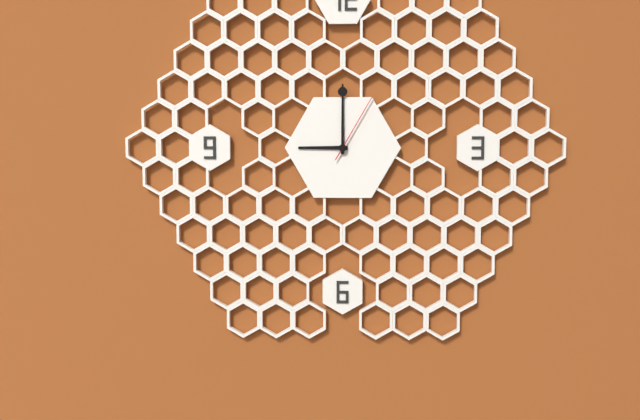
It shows {"hour": 9, "minute": 0, "second": 5}
